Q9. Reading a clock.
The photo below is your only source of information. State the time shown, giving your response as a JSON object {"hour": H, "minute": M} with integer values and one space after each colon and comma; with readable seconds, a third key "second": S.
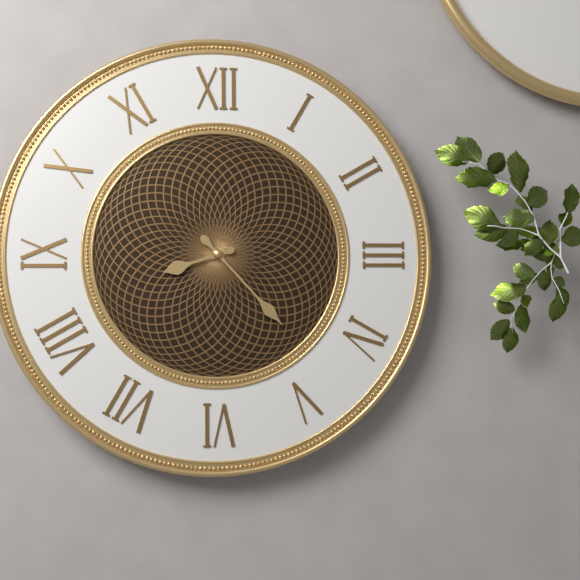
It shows {"hour": 8, "minute": 23}
